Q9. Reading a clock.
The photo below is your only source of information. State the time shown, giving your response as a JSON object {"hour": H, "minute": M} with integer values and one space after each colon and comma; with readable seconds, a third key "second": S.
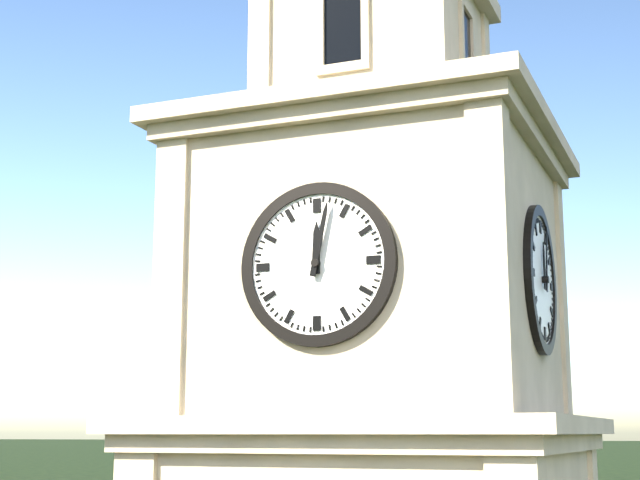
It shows {"hour": 12, "minute": 2}
